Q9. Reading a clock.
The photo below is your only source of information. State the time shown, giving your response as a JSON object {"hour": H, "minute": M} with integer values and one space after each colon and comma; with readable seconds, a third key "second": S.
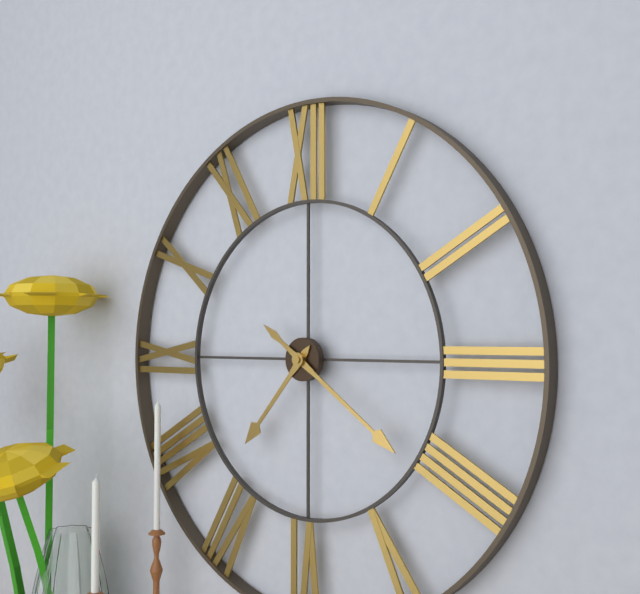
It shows {"hour": 7, "minute": 21}
